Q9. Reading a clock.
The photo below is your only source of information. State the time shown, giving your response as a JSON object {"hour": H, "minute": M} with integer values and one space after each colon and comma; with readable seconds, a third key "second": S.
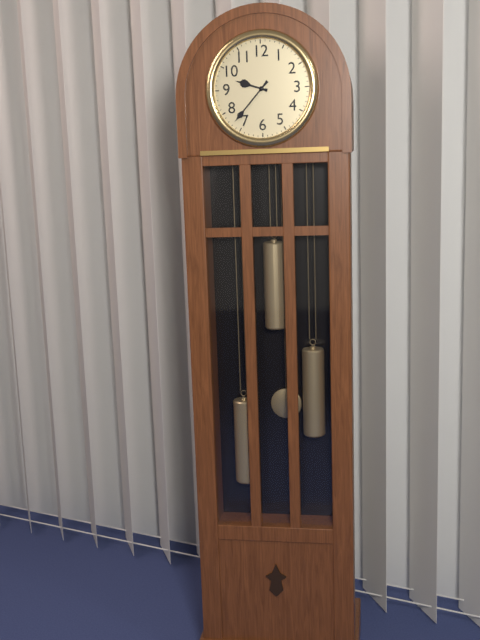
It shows {"hour": 9, "minute": 37}
